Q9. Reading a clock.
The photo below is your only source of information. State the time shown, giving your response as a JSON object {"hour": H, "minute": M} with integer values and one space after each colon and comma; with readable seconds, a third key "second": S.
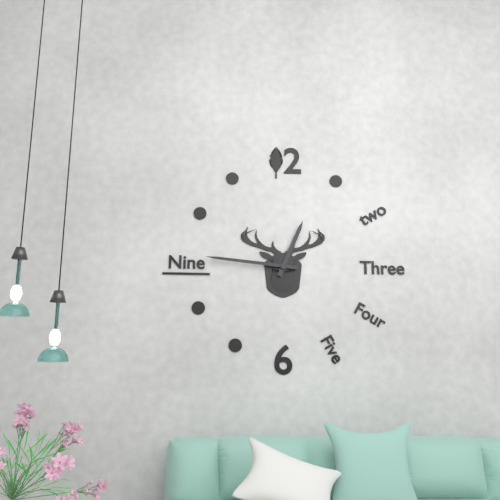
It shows {"hour": 12, "minute": 46}
